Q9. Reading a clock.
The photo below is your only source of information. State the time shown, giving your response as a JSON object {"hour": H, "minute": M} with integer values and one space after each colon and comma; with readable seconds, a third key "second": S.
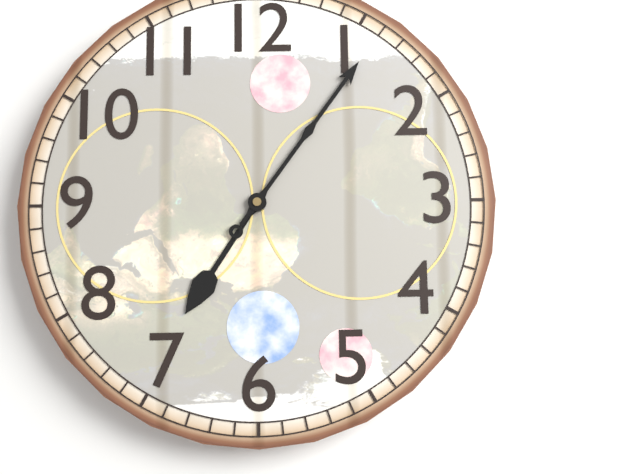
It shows {"hour": 7, "minute": 6}
